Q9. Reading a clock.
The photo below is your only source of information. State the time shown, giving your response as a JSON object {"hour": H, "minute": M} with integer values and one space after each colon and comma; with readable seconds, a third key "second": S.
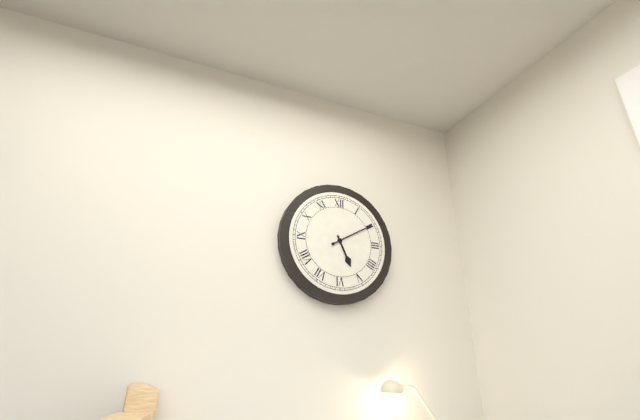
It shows {"hour": 5, "minute": 10}
